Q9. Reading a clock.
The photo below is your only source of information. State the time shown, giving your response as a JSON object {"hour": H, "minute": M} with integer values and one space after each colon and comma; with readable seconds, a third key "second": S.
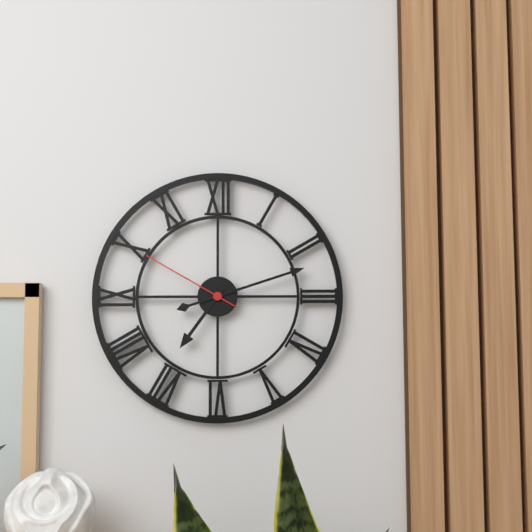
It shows {"hour": 7, "minute": 12, "second": 50}
